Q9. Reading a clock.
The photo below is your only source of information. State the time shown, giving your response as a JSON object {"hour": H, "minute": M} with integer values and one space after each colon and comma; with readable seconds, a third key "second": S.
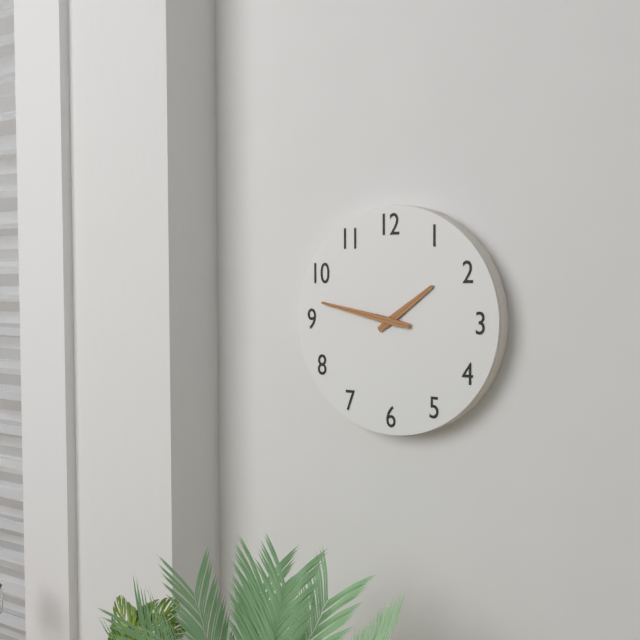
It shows {"hour": 1, "minute": 47}
